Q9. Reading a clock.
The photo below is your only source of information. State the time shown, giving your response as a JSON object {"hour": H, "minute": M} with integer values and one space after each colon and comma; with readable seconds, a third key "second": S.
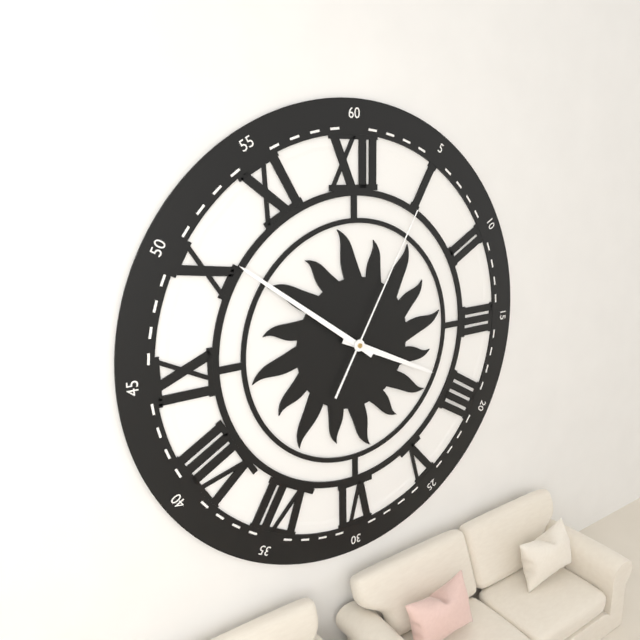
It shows {"hour": 3, "minute": 51, "second": 5}
